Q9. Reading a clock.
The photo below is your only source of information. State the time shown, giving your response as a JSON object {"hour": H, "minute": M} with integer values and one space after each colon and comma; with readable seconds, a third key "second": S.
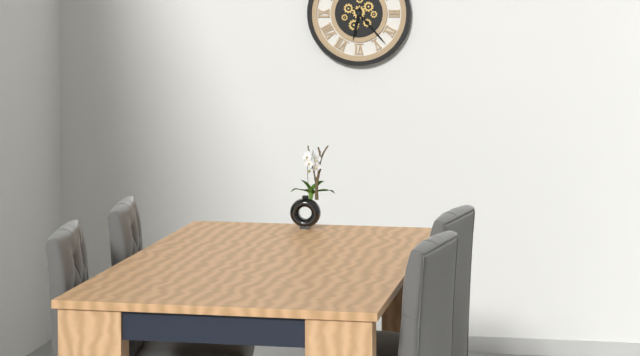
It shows {"hour": 6, "minute": 23}
